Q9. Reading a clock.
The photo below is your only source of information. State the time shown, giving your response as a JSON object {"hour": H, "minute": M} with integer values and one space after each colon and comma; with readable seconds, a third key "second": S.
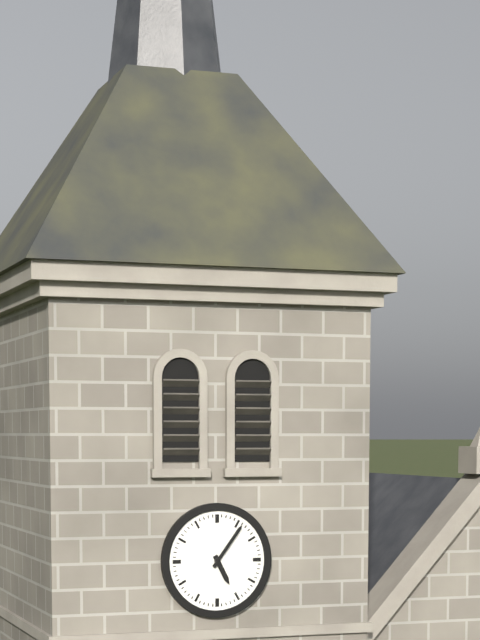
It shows {"hour": 5, "minute": 6}
